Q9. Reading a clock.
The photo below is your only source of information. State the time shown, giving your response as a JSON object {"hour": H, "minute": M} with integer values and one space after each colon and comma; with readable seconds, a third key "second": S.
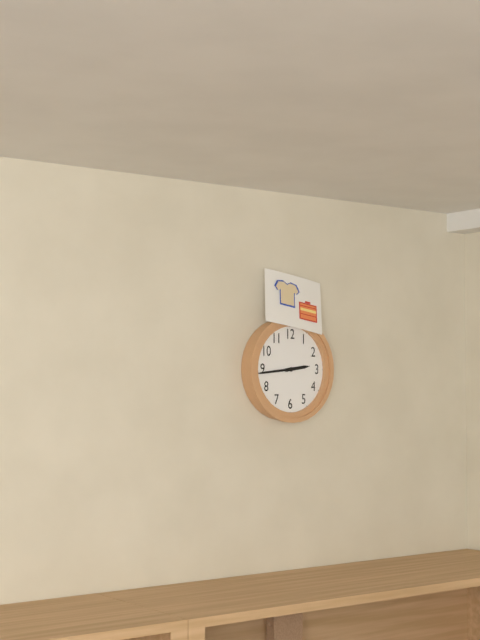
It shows {"hour": 2, "minute": 44}
